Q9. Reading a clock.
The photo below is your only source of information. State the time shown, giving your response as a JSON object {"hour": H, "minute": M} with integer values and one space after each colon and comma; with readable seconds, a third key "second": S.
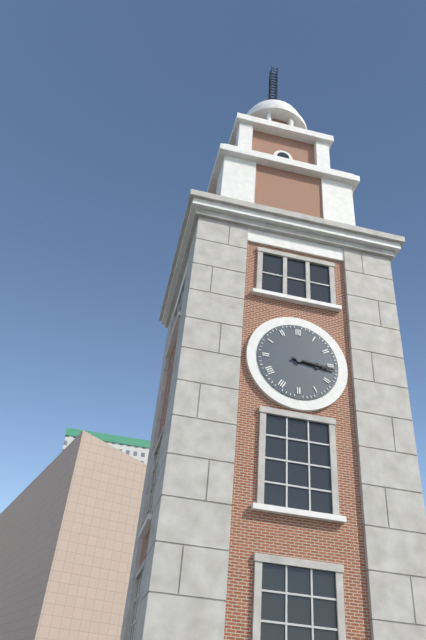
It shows {"hour": 3, "minute": 16}
